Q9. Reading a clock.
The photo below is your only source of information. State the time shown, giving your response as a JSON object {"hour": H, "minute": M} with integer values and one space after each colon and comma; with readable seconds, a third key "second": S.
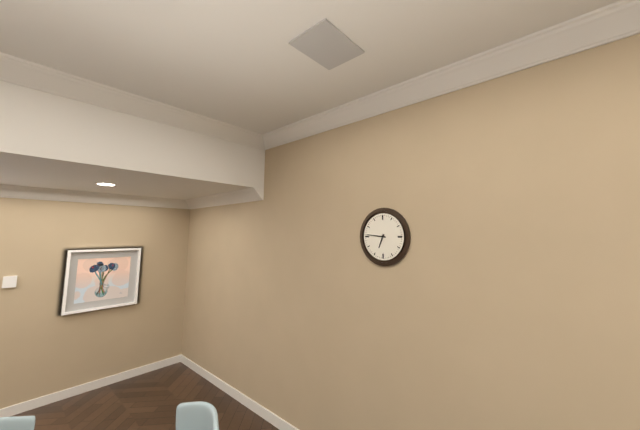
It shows {"hour": 6, "minute": 46}
